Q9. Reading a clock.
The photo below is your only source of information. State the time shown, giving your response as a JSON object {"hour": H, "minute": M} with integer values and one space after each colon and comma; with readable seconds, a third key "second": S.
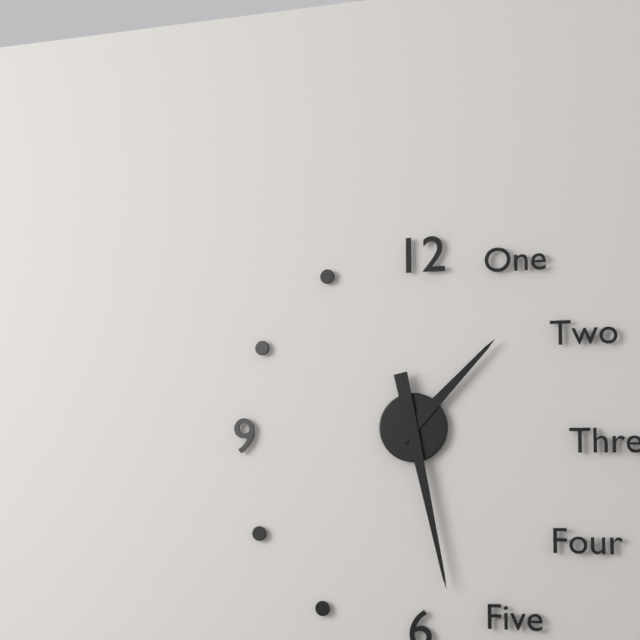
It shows {"hour": 1, "minute": 28}
